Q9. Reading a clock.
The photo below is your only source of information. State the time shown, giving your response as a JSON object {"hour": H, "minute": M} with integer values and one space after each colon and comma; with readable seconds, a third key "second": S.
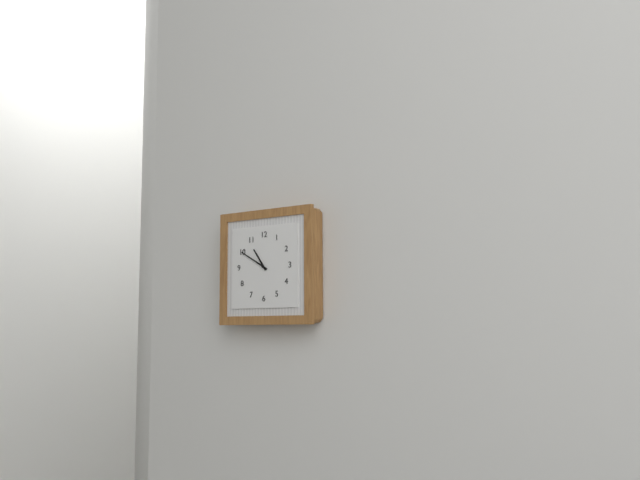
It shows {"hour": 10, "minute": 50}
